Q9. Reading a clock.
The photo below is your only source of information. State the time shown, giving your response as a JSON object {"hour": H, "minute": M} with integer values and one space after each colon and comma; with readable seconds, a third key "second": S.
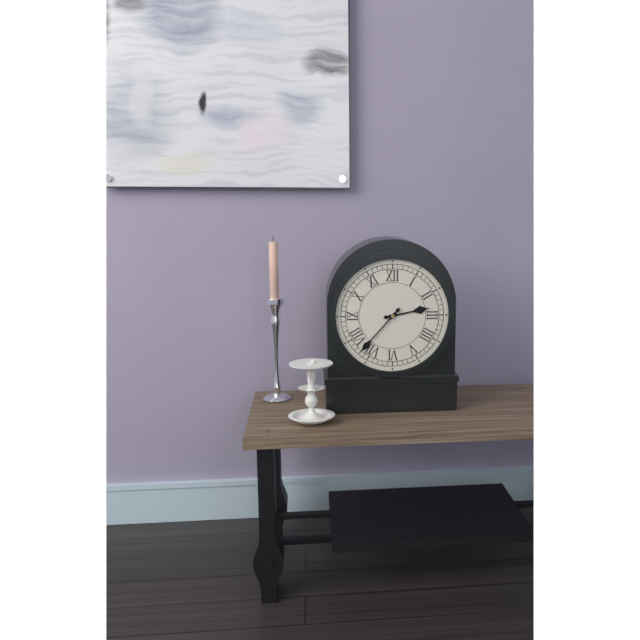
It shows {"hour": 2, "minute": 37}
